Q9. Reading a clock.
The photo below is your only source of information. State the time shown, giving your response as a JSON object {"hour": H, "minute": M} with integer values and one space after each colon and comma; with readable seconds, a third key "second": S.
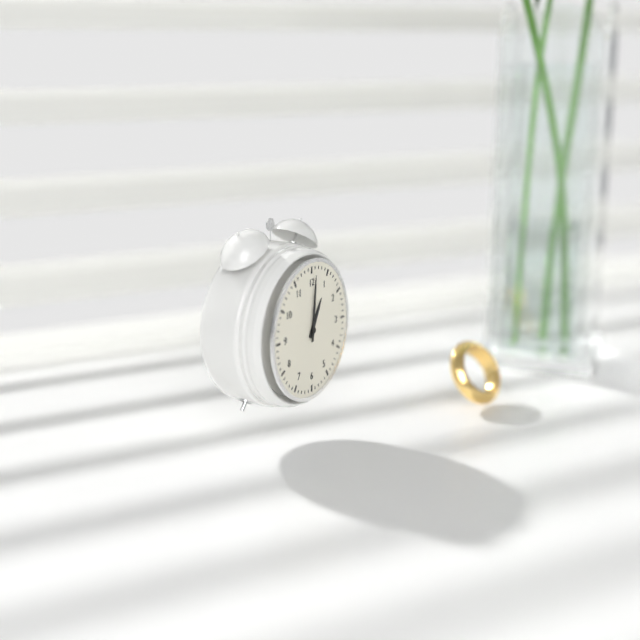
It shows {"hour": 1, "minute": 1}
